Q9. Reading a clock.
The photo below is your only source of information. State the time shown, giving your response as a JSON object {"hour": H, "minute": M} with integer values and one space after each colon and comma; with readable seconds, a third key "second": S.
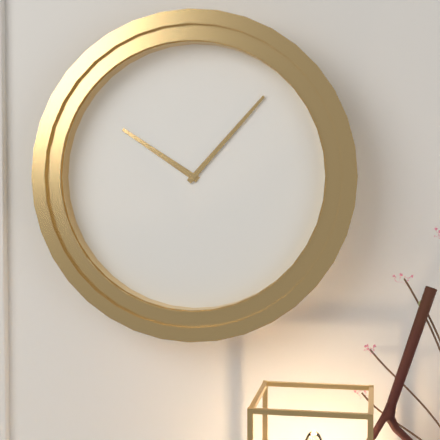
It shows {"hour": 10, "minute": 7}
